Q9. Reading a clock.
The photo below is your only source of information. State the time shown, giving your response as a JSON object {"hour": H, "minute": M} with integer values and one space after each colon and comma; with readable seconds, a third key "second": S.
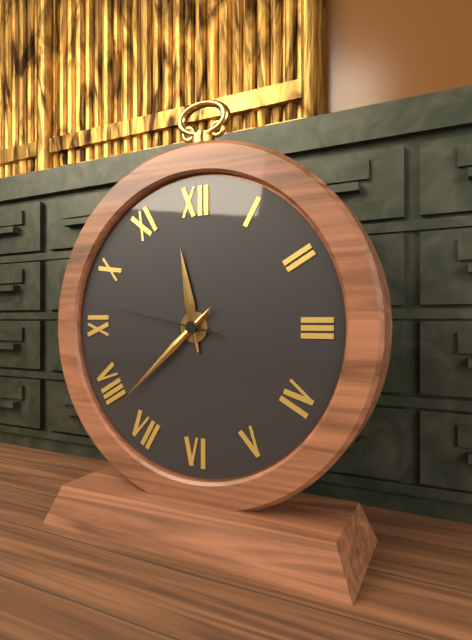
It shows {"hour": 11, "minute": 38, "second": 47}
